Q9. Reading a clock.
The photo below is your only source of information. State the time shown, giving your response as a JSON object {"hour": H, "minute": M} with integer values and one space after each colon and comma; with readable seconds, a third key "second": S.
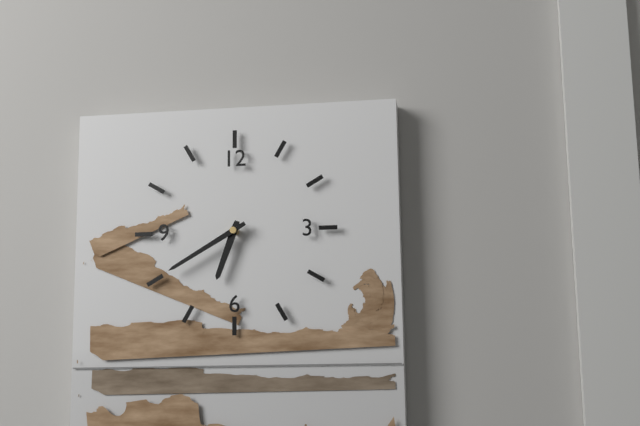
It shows {"hour": 6, "minute": 40}
